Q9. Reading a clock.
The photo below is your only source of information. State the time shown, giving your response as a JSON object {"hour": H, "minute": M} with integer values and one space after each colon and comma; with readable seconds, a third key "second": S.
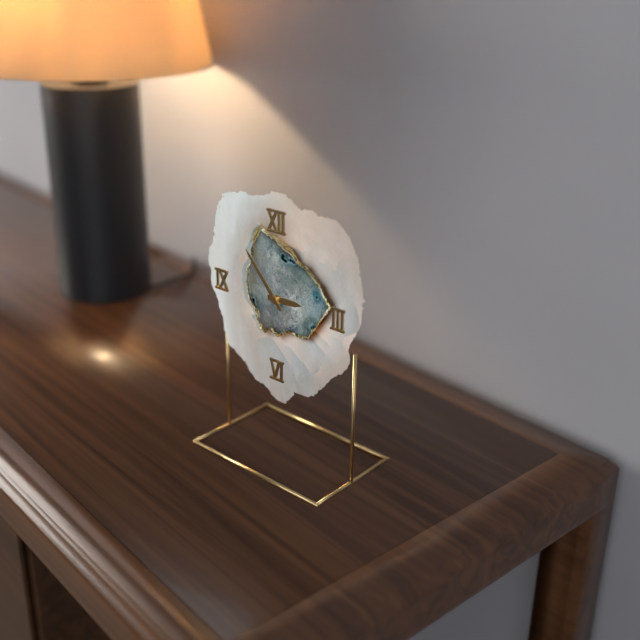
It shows {"hour": 2, "minute": 53}
